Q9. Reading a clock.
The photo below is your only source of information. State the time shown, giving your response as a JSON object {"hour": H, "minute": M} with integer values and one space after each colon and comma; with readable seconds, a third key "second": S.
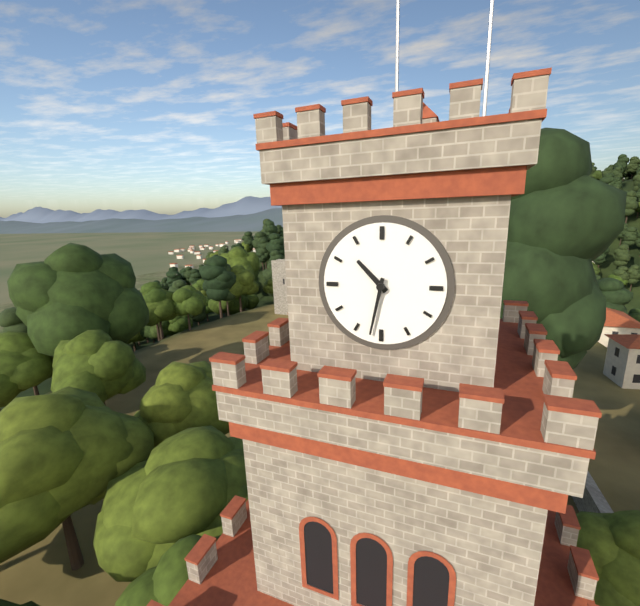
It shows {"hour": 10, "minute": 32}
